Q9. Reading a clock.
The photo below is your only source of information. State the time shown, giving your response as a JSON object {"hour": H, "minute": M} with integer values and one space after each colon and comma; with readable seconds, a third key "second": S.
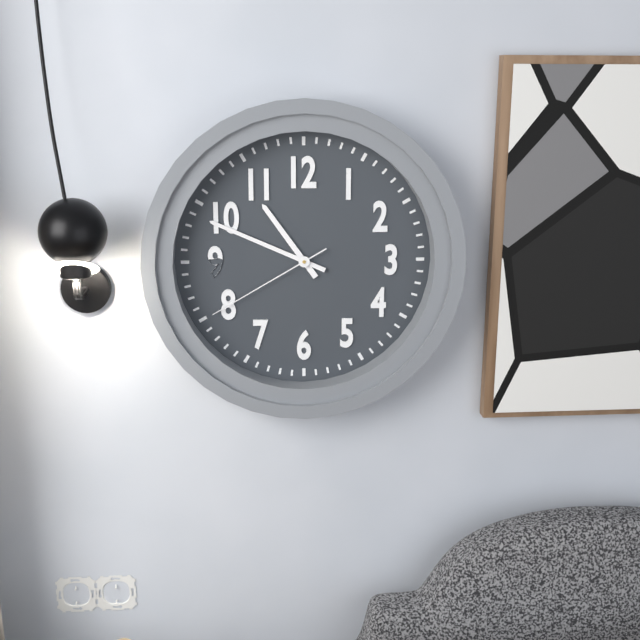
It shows {"hour": 10, "minute": 49, "second": 40}
